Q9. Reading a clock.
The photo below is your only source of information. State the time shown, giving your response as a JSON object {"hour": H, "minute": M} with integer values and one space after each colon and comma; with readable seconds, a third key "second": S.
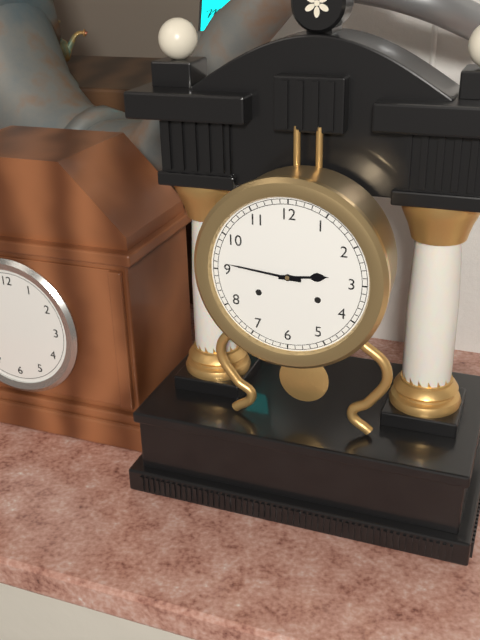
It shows {"hour": 2, "minute": 46}
